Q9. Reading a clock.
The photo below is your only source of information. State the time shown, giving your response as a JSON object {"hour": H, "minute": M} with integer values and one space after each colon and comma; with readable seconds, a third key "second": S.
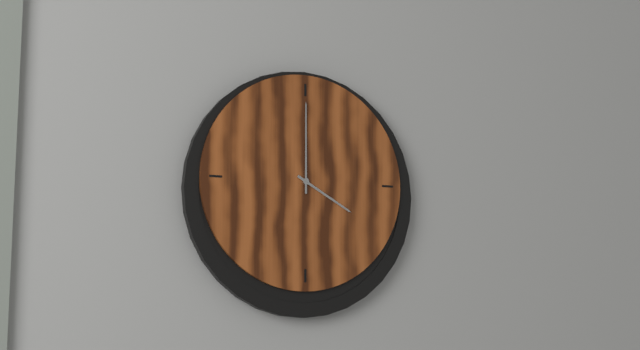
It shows {"hour": 4, "minute": 0}
